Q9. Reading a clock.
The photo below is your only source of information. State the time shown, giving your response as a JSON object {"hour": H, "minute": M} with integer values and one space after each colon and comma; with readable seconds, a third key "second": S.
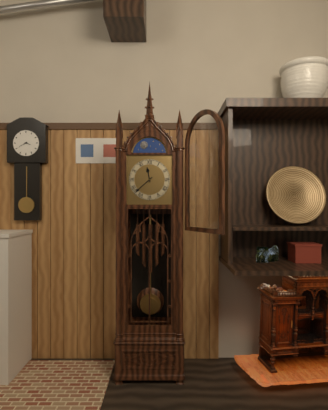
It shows {"hour": 11, "minute": 38}
